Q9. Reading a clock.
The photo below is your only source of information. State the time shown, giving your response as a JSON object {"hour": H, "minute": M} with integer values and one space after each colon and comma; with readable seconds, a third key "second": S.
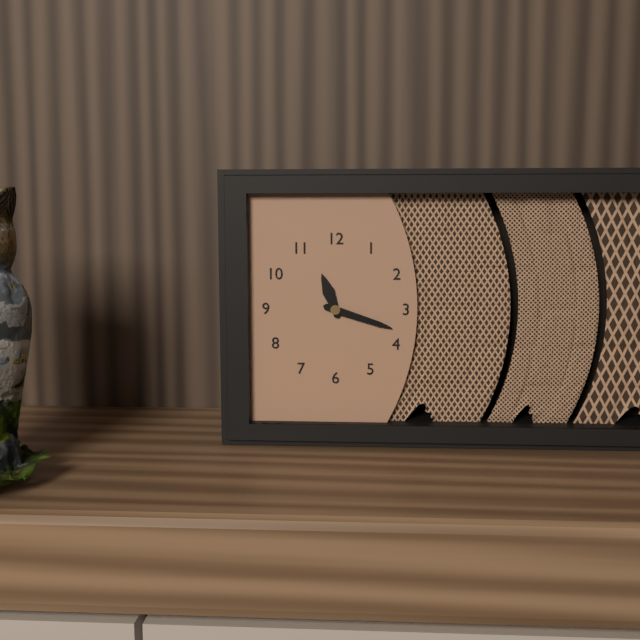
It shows {"hour": 11, "minute": 18}
